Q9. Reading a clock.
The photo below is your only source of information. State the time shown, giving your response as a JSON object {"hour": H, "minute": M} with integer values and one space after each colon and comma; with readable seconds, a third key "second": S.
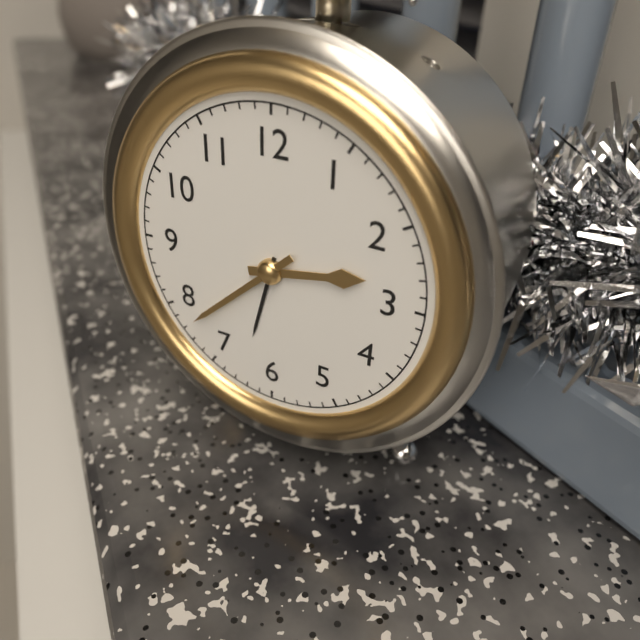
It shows {"hour": 2, "minute": 38}
